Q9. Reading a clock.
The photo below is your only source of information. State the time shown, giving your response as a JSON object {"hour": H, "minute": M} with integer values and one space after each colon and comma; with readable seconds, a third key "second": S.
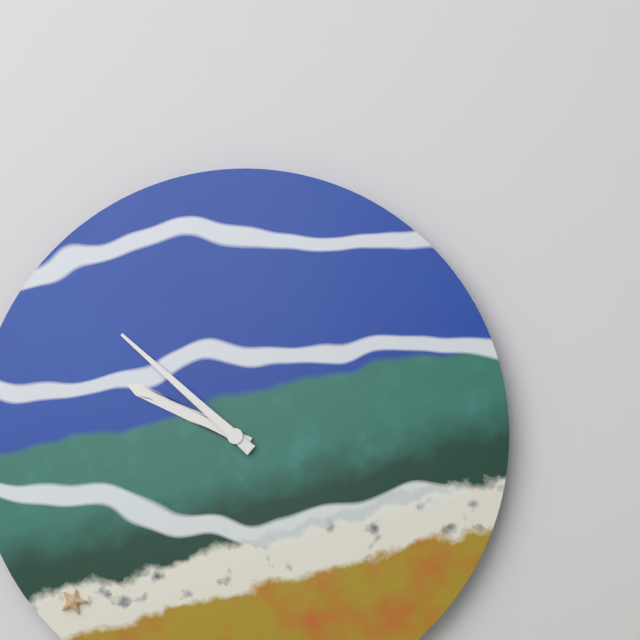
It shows {"hour": 9, "minute": 52}
